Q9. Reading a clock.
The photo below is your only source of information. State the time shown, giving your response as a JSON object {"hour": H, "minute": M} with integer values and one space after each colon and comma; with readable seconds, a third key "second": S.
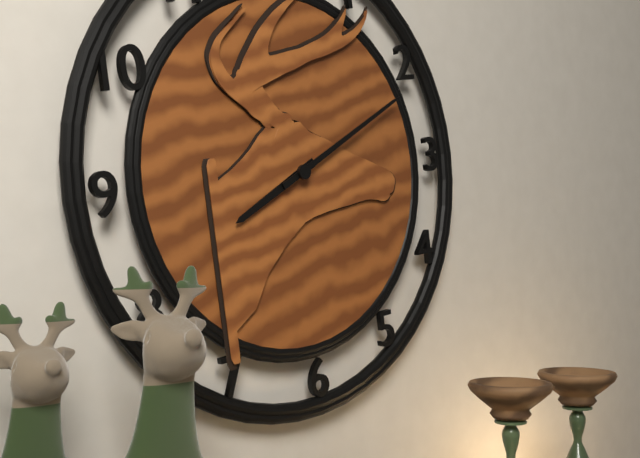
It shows {"hour": 8, "minute": 11}
